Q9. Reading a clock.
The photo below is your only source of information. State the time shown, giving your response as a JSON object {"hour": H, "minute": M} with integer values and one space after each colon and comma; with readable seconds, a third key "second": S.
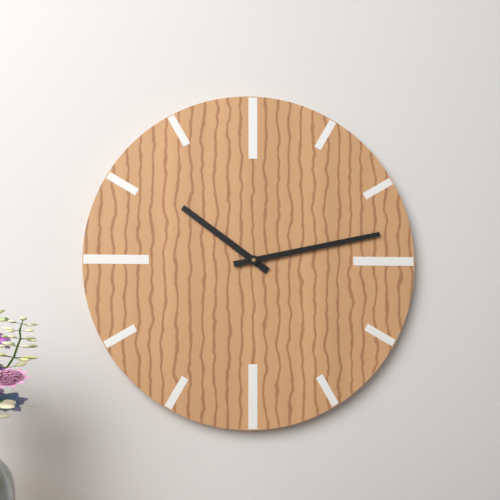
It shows {"hour": 10, "minute": 13}
